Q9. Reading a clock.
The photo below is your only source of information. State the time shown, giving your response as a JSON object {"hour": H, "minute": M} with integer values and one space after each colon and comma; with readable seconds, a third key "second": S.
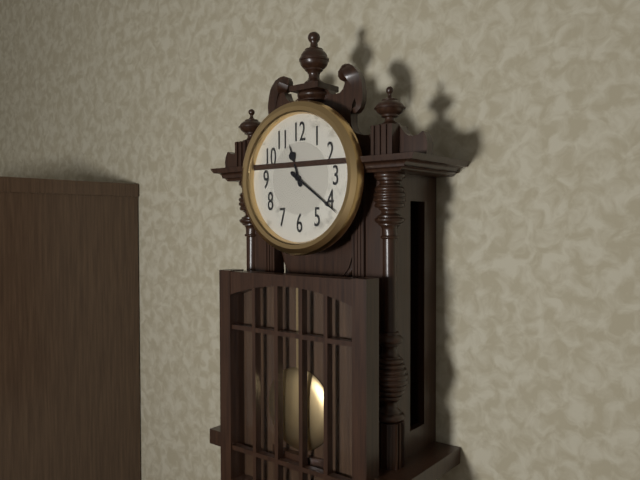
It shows {"hour": 11, "minute": 21}
